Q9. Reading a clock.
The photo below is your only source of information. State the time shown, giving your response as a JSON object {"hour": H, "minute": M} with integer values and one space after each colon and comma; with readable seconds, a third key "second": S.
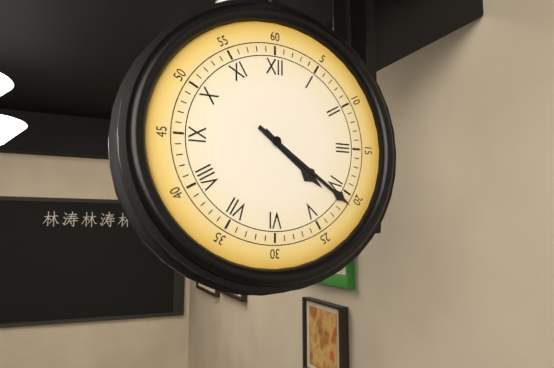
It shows {"hour": 4, "minute": 21}
